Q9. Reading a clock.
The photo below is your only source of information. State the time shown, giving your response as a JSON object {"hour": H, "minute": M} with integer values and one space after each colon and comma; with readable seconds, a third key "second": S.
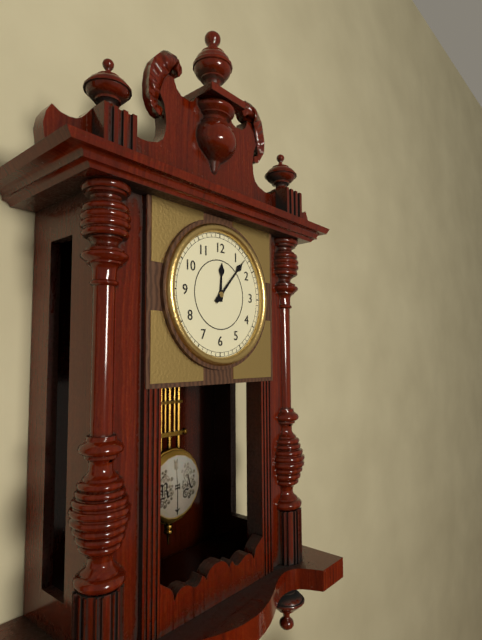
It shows {"hour": 12, "minute": 7}
